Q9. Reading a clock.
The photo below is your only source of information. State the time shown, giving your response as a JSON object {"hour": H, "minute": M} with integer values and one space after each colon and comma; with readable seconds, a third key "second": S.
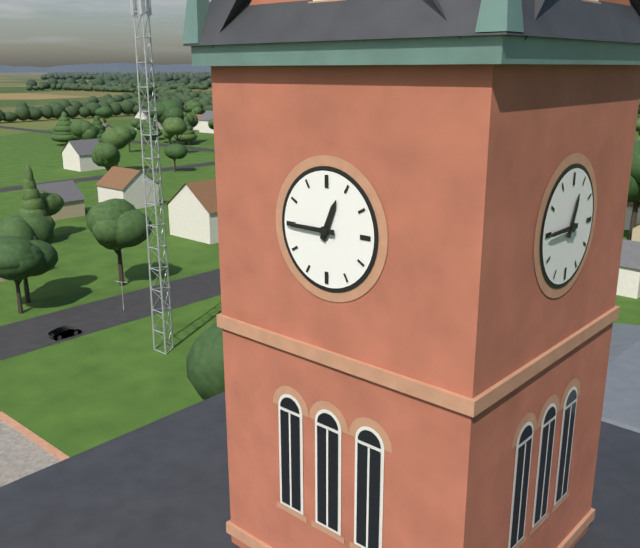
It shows {"hour": 12, "minute": 45}
